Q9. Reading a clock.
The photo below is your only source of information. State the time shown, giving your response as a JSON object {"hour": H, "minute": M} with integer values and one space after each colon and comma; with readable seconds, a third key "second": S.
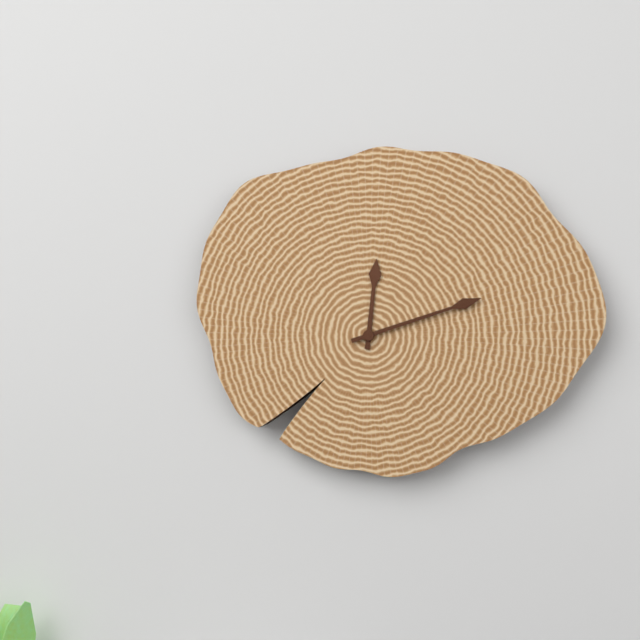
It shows {"hour": 12, "minute": 12}
